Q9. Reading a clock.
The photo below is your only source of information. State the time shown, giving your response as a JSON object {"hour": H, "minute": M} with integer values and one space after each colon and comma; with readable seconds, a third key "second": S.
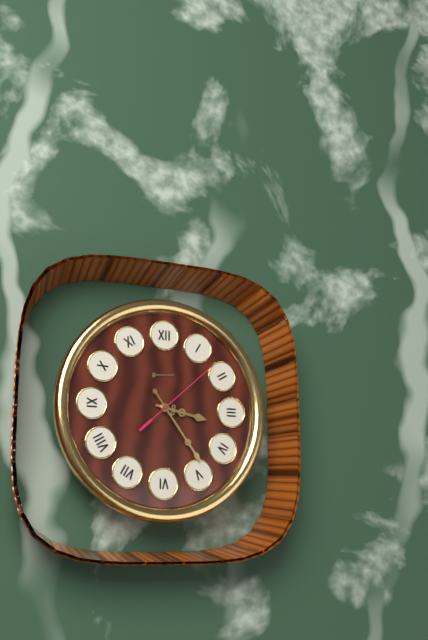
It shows {"hour": 3, "minute": 24, "second": 8}
